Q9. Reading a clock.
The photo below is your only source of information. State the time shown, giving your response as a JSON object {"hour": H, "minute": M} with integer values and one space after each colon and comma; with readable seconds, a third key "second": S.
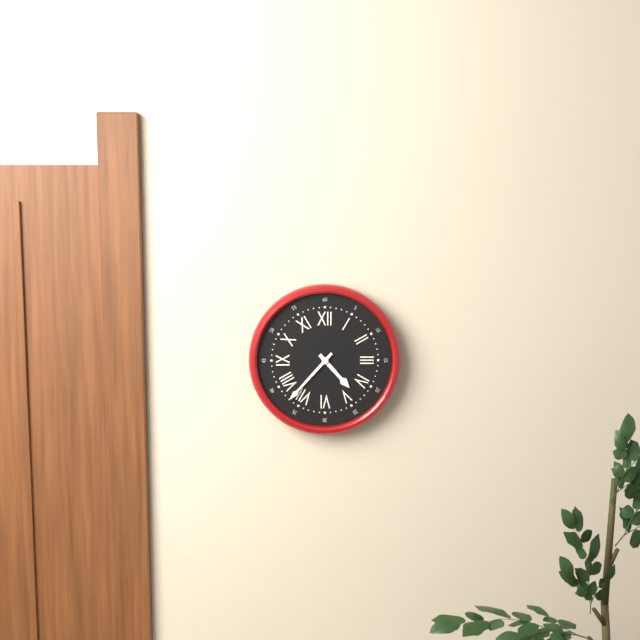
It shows {"hour": 4, "minute": 37}
